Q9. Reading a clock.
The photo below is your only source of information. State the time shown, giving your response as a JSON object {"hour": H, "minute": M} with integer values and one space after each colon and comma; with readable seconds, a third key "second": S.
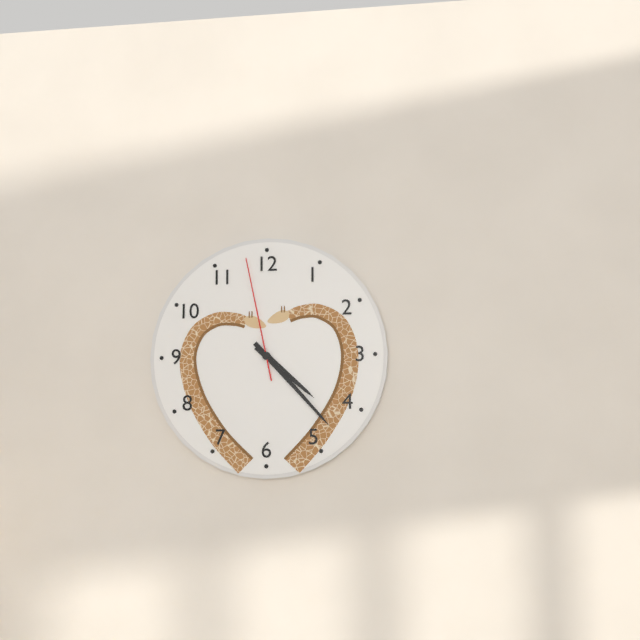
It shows {"hour": 4, "minute": 23, "second": 58}
